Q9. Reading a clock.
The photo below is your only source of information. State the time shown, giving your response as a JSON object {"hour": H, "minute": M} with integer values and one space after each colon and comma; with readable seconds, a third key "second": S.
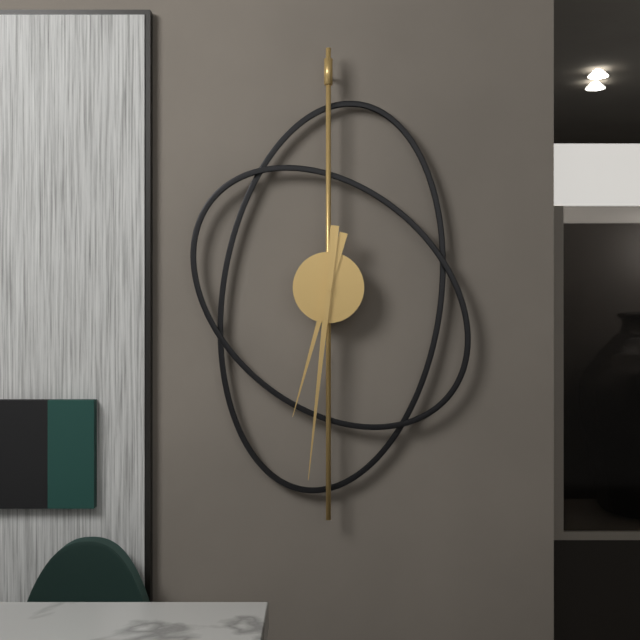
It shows {"hour": 6, "minute": 31}
